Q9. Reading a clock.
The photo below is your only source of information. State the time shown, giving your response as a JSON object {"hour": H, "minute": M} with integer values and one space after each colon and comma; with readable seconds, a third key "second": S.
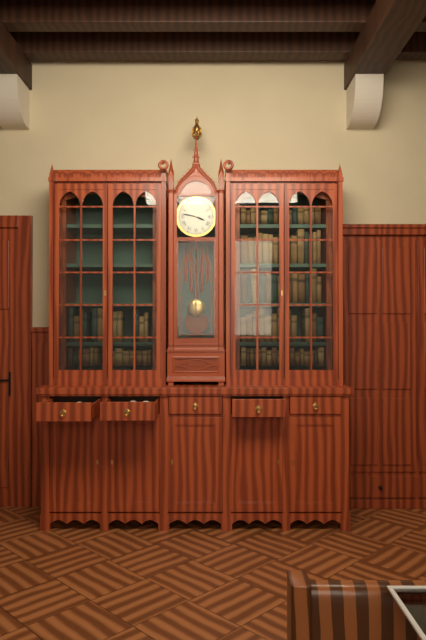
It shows {"hour": 3, "minute": 47}
